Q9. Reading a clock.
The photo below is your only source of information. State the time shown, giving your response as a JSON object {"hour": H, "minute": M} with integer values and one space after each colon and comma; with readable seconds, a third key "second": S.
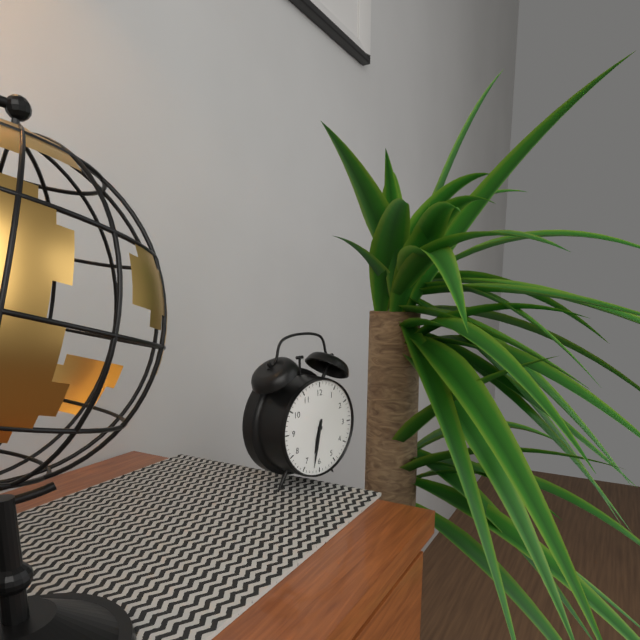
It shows {"hour": 6, "minute": 32}
